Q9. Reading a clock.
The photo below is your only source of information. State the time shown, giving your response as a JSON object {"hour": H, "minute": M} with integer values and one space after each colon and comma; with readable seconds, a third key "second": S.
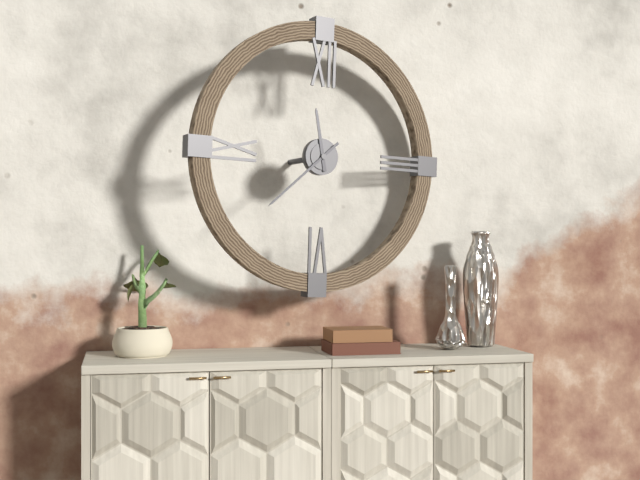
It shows {"hour": 11, "minute": 38}
